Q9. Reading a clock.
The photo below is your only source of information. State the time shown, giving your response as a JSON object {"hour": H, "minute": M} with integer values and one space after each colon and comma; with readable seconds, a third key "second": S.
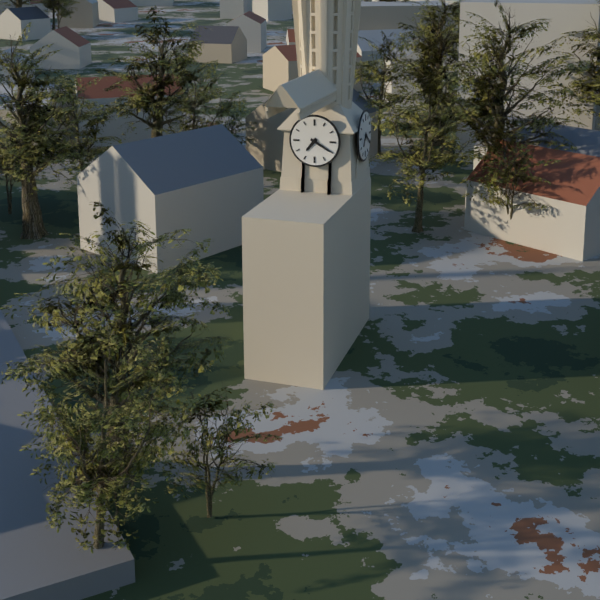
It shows {"hour": 7, "minute": 20}
